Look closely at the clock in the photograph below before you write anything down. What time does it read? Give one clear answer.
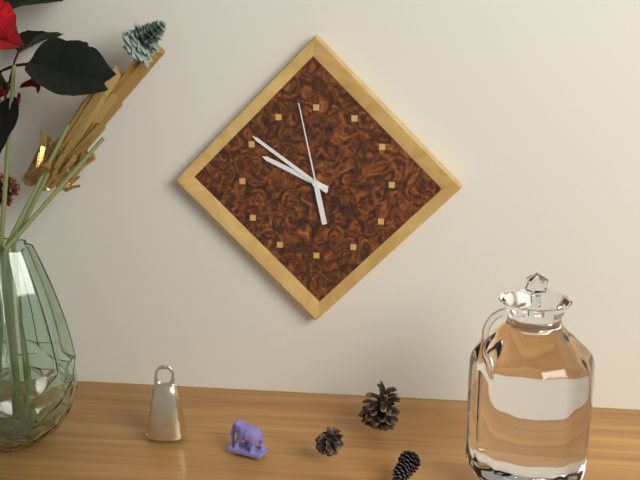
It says 9:51:58
